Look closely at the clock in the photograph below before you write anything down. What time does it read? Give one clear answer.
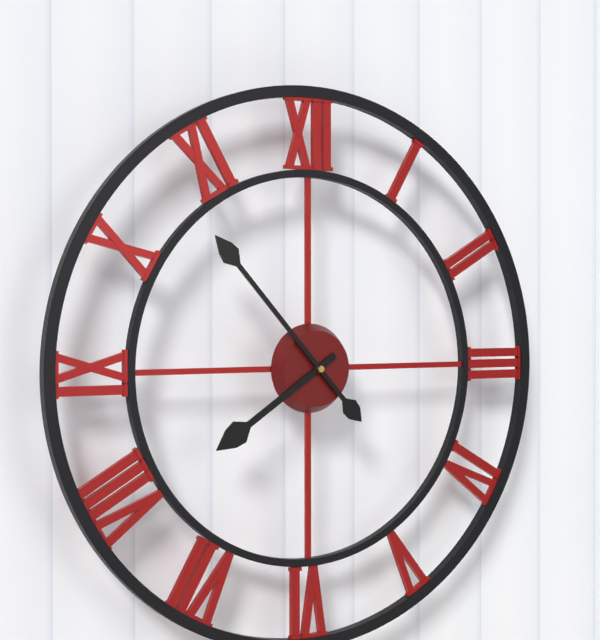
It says 7:53
